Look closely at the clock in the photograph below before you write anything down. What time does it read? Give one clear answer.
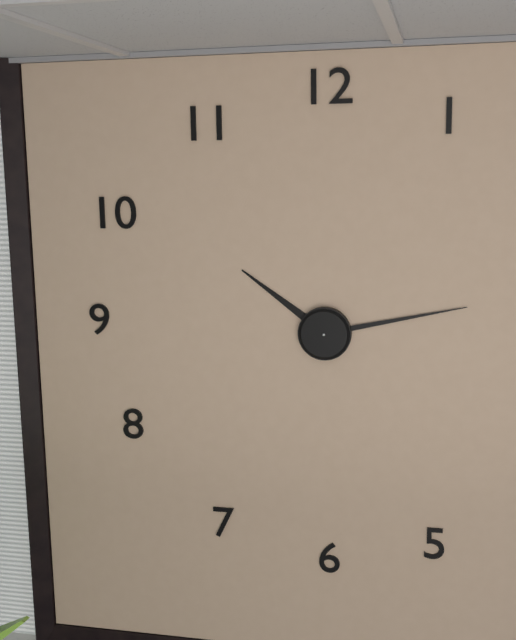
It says 10:13
